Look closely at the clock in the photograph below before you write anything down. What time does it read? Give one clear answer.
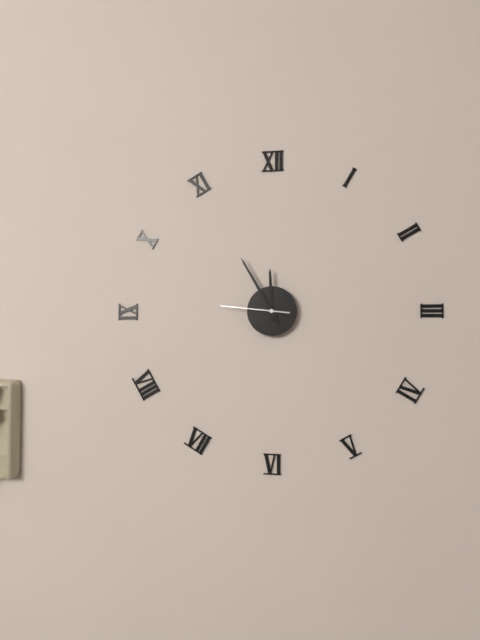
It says 11:55:46
